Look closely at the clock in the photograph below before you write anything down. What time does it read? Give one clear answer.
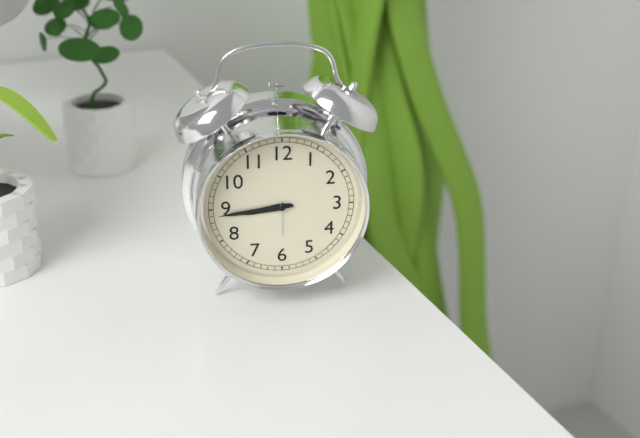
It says 8:44
